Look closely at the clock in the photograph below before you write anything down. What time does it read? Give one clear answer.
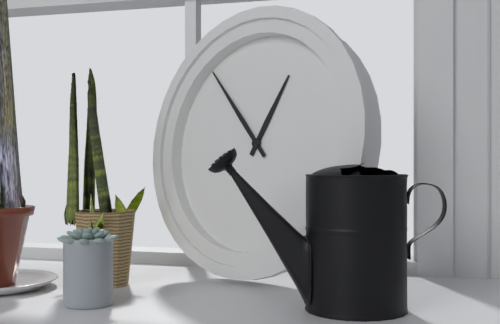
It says 12:53
